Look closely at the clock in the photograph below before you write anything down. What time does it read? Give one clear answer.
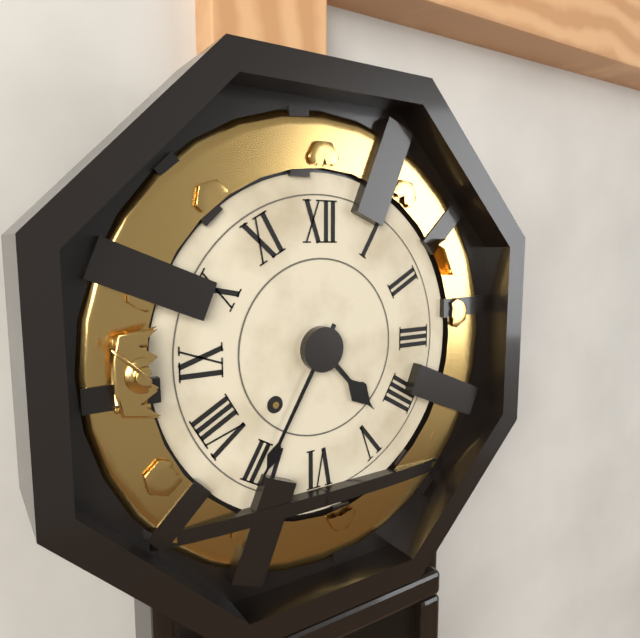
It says 4:35
